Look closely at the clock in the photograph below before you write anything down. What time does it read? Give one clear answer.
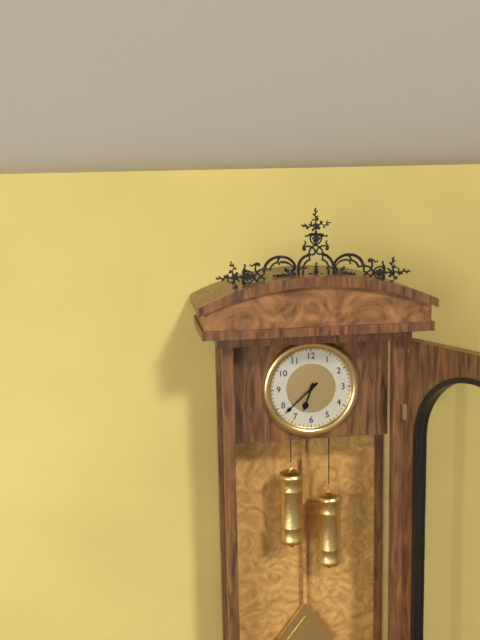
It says 6:38
